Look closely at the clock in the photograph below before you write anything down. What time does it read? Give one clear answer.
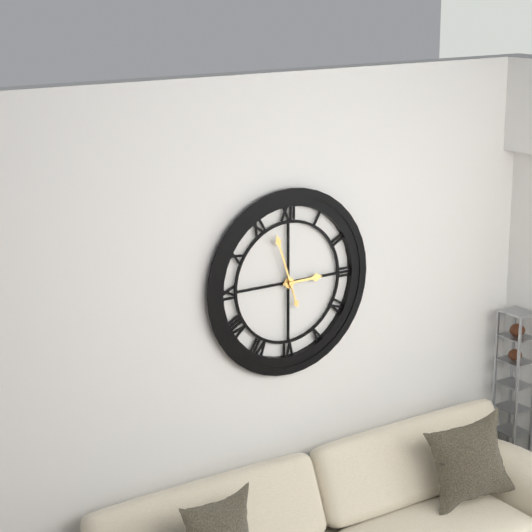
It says 2:57
